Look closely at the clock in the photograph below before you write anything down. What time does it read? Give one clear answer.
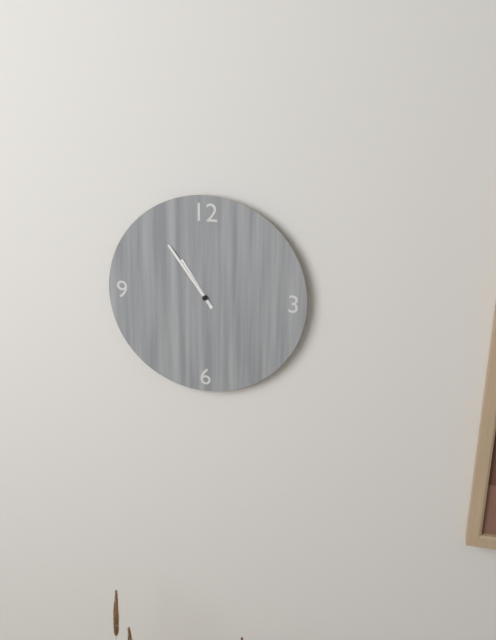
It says 10:54
